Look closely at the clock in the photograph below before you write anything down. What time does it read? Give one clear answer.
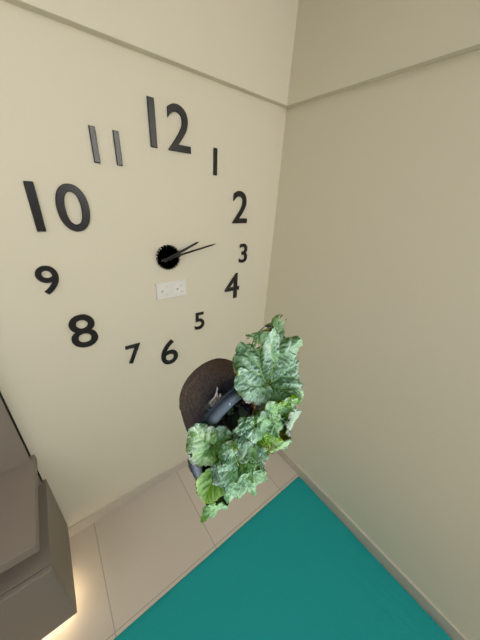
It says 2:13
